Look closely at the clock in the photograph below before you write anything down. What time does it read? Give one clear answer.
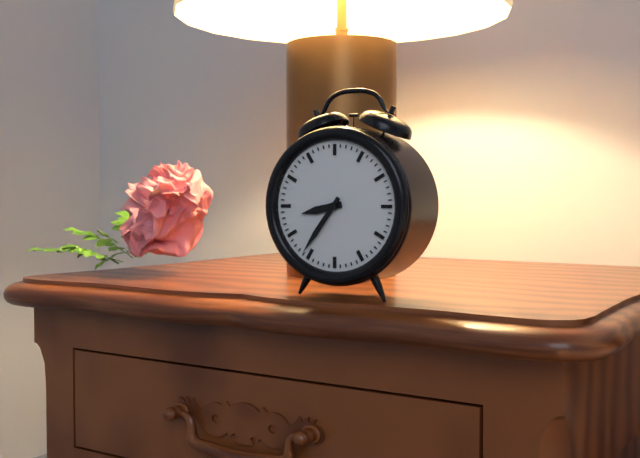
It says 8:36
